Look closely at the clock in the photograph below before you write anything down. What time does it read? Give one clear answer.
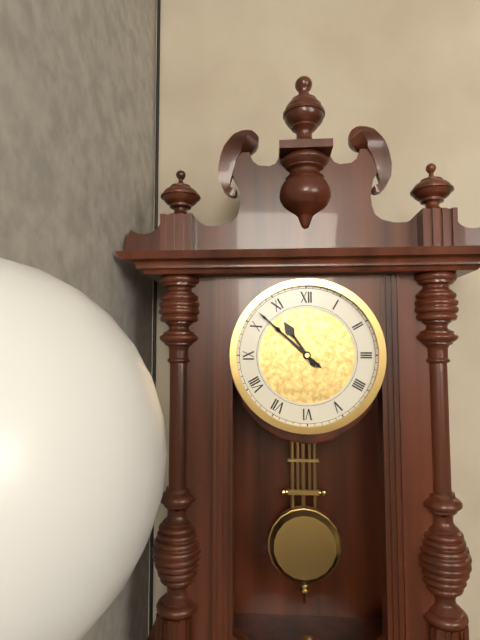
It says 10:52
